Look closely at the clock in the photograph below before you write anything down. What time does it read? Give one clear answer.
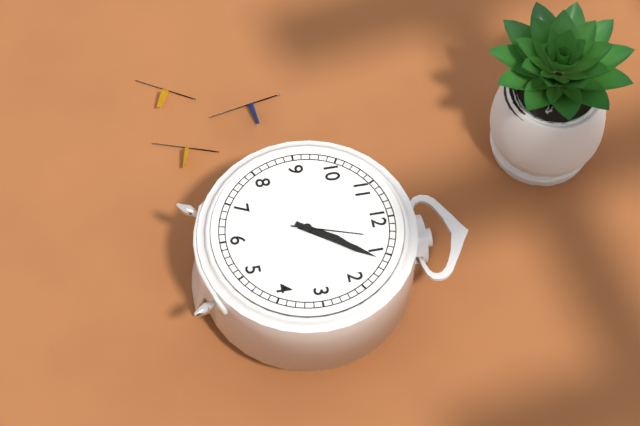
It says 1:06:03
